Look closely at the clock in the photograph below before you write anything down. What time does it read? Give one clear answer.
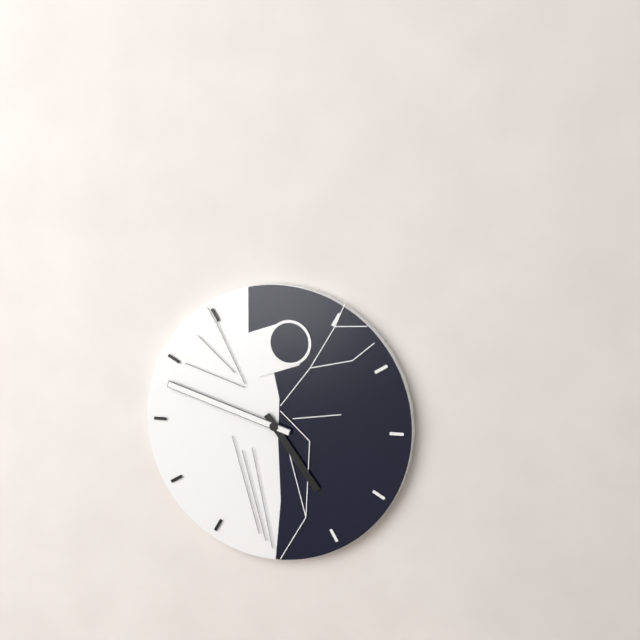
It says 4:48
